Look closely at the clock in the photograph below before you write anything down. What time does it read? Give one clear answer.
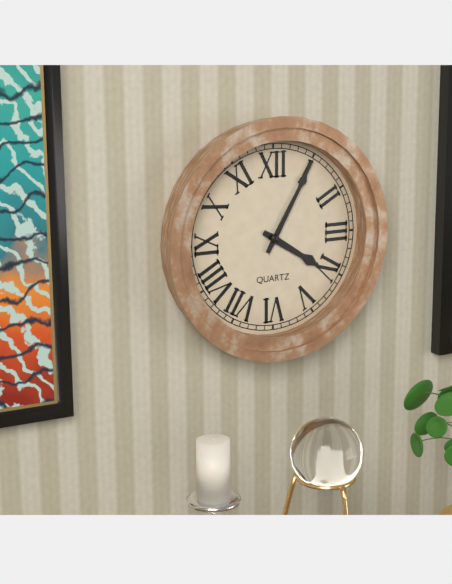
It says 4:05
